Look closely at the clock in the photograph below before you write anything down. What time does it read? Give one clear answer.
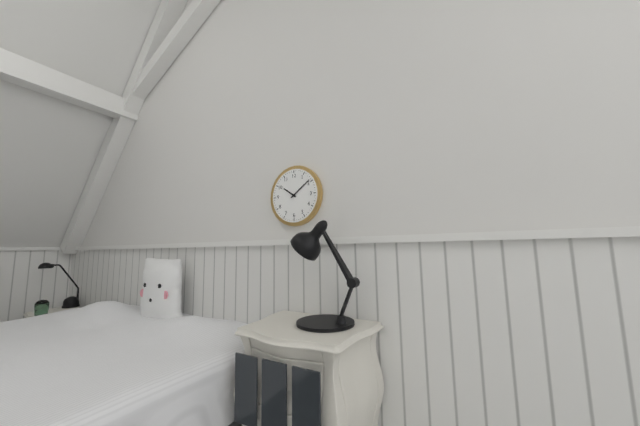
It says 10:09
